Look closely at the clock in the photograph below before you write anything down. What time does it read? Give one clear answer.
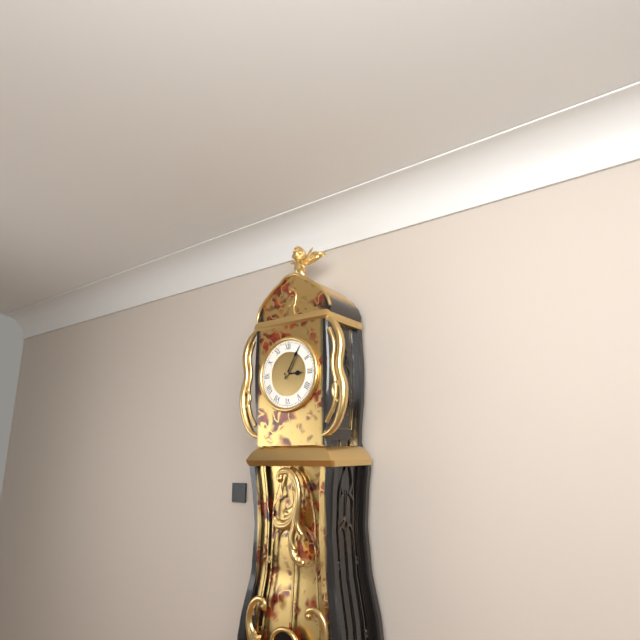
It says 3:05
